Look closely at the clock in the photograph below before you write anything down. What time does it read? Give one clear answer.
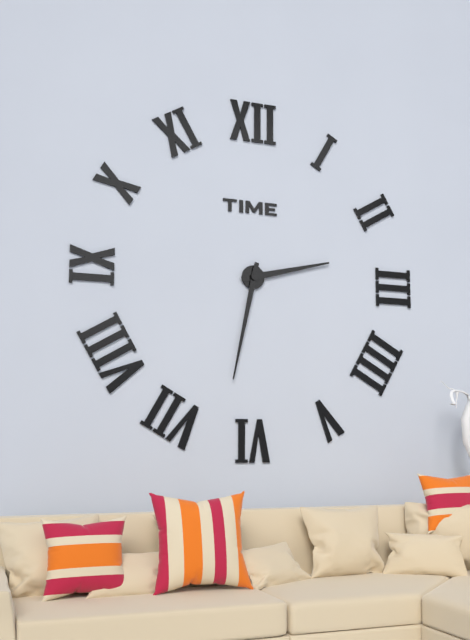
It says 2:32
